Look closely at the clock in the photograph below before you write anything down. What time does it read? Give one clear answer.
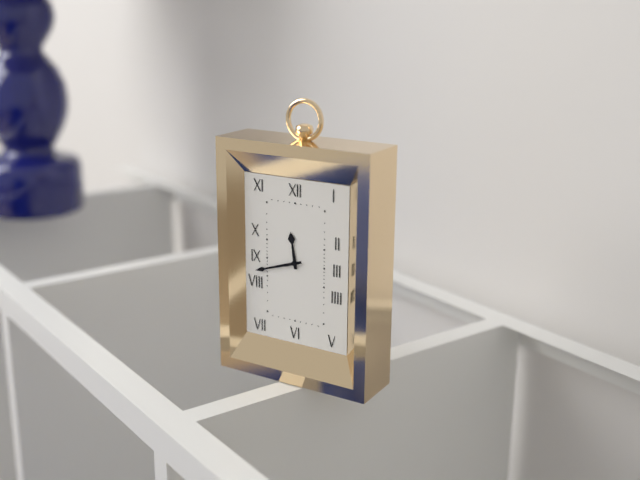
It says 11:42
